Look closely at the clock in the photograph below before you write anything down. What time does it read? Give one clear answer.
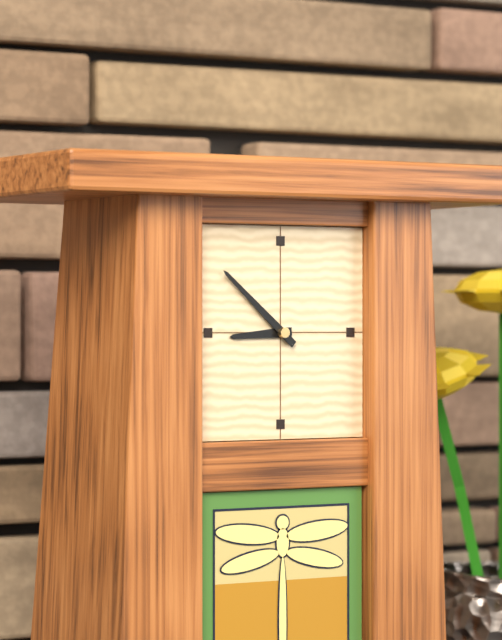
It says 8:52
